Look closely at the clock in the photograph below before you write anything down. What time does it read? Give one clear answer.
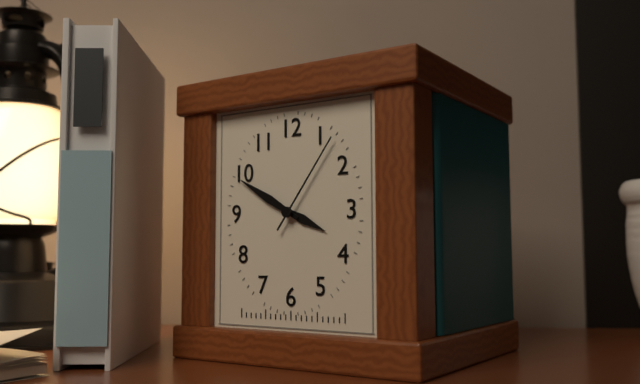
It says 3:50:06
